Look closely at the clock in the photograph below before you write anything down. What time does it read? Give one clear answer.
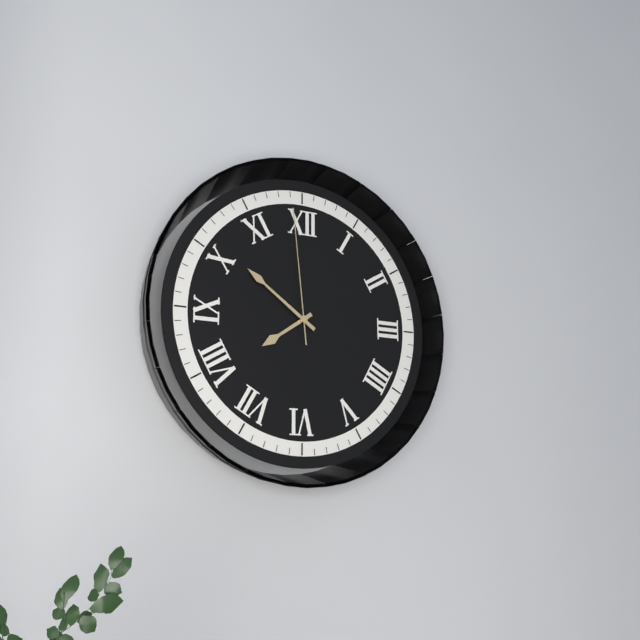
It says 7:51:59
